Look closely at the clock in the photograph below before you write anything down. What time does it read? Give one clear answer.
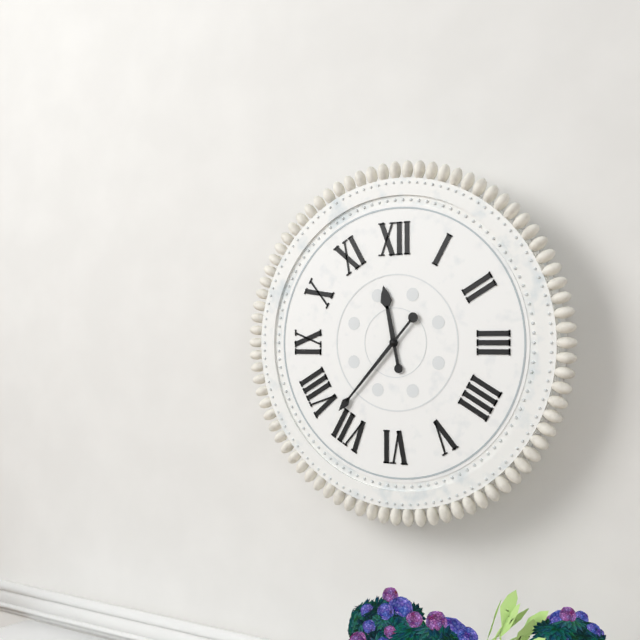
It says 11:37
